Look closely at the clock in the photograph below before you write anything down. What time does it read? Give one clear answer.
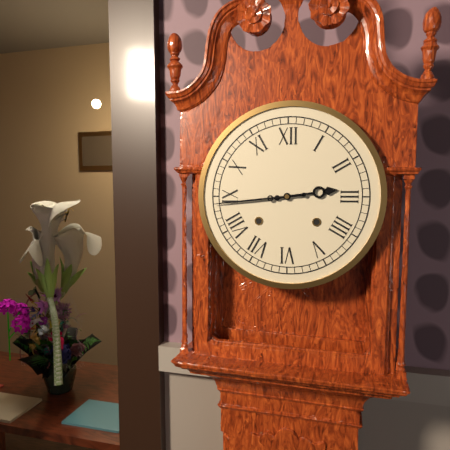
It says 2:44
